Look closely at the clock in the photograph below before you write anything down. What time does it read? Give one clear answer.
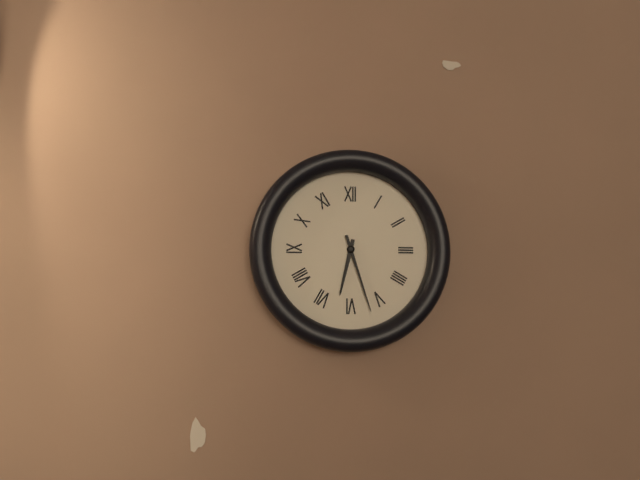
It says 6:27
